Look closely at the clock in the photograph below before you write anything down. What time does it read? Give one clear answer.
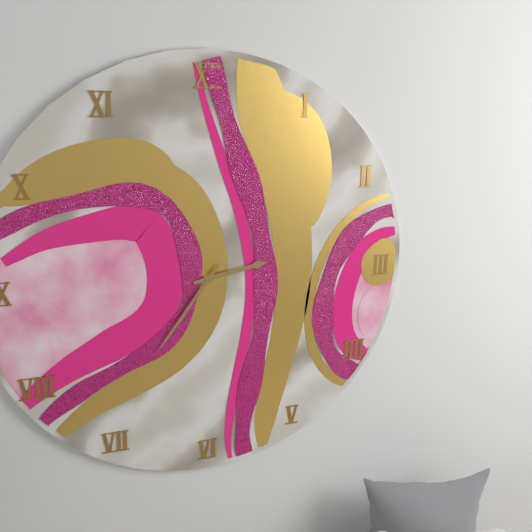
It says 2:36
